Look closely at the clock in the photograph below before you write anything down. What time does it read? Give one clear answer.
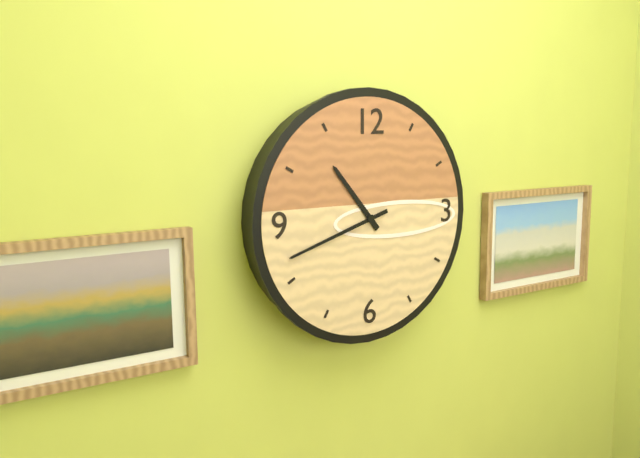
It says 10:42
